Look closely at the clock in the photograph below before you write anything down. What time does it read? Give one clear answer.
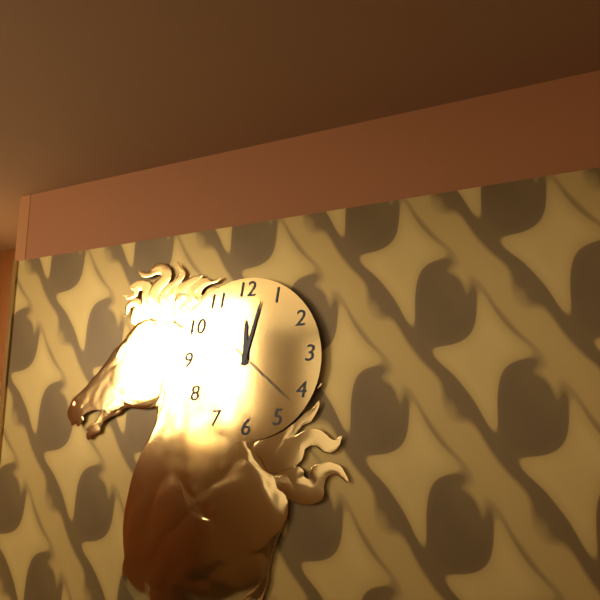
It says 12:03:22
